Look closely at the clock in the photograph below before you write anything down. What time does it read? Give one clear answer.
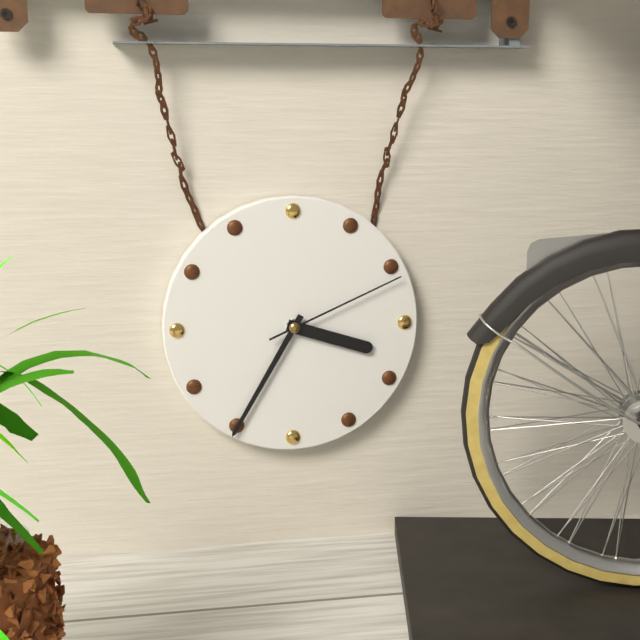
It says 3:35:11
